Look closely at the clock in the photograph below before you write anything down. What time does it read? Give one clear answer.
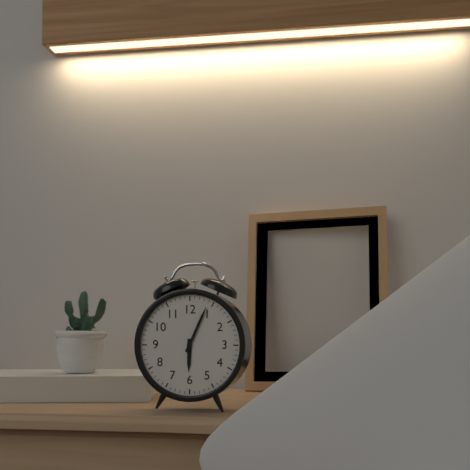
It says 6:04
